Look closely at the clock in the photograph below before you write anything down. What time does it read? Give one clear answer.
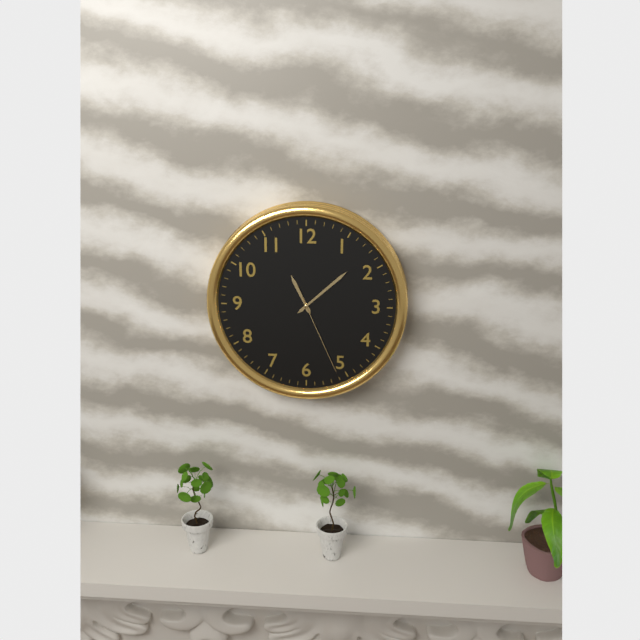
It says 11:08:26
